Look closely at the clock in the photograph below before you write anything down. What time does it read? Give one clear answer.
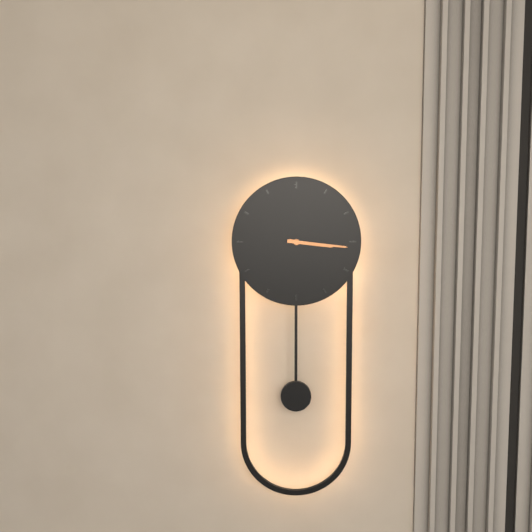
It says 3:16
